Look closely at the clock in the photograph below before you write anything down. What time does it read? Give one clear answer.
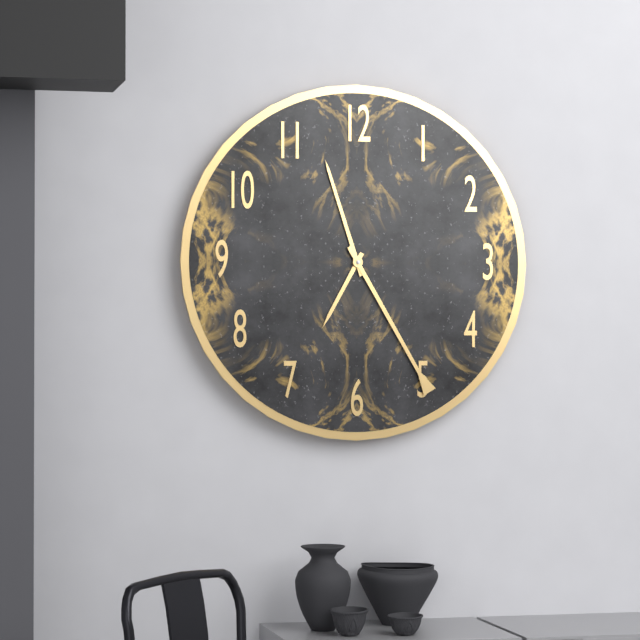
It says 6:57:25
